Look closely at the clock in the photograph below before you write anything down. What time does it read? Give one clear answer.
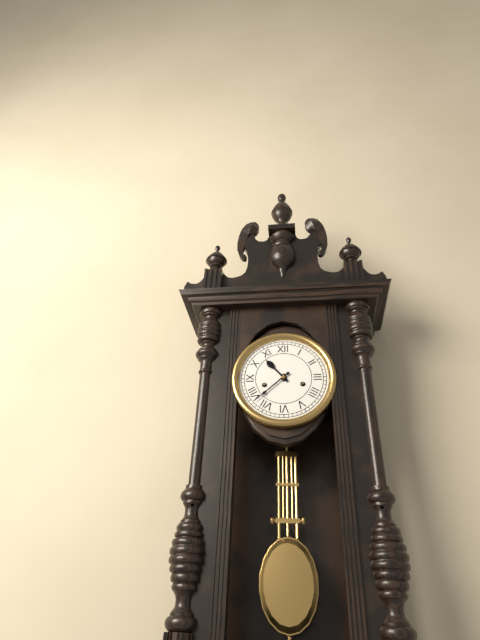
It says 10:38
